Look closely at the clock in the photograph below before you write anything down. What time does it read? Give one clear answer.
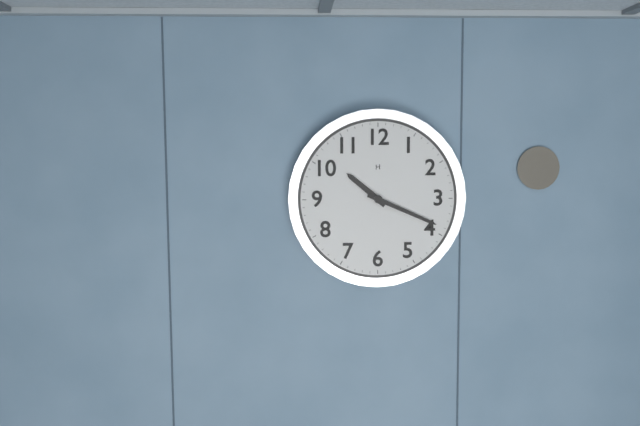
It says 10:19
